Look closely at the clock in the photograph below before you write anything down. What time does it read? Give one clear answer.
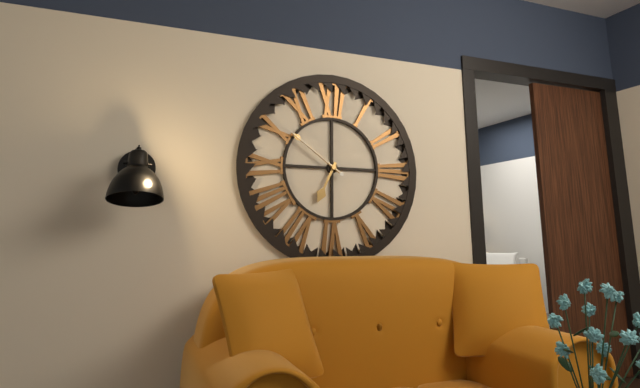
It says 6:51:51
